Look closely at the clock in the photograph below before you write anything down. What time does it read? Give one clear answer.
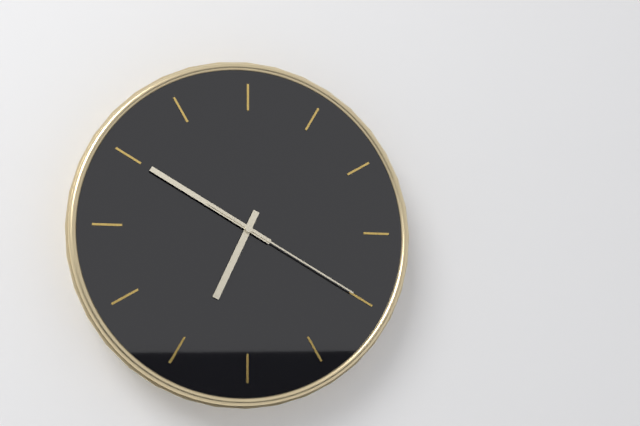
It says 6:50:20
